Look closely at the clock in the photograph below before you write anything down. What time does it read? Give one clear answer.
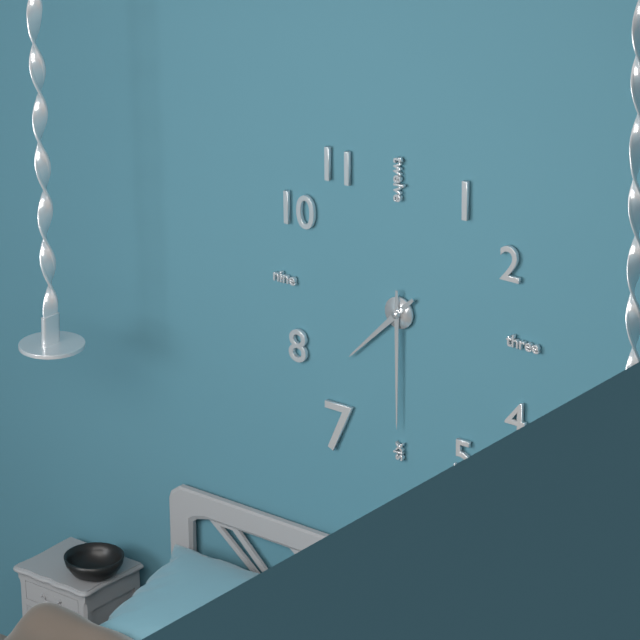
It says 7:30
